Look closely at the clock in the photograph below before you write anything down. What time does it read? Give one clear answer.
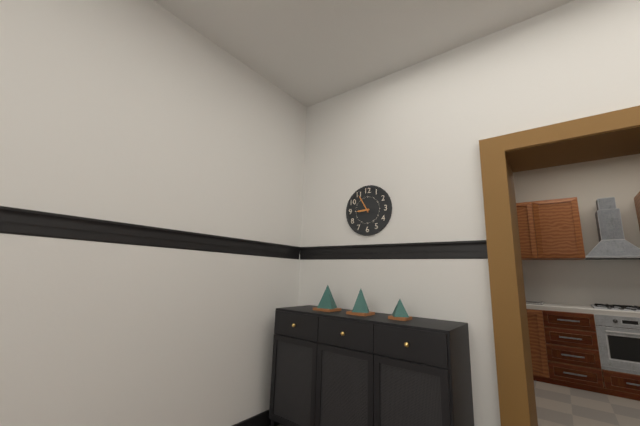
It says 8:55
